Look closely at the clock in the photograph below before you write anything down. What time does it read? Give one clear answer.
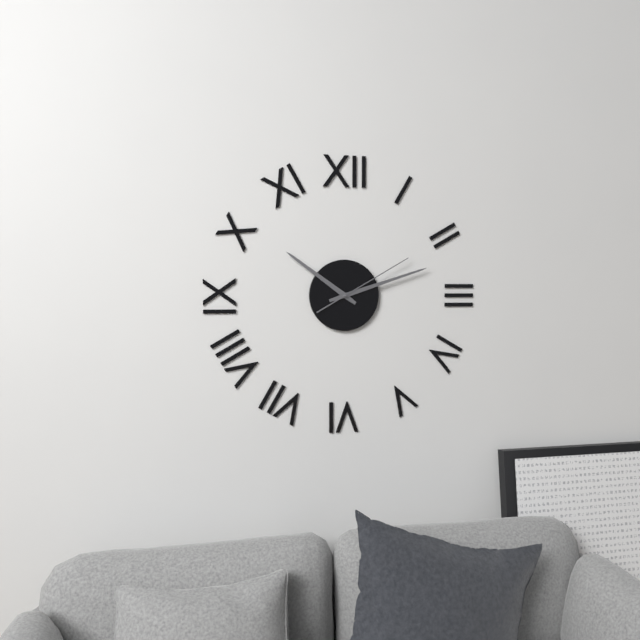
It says 10:12:10
